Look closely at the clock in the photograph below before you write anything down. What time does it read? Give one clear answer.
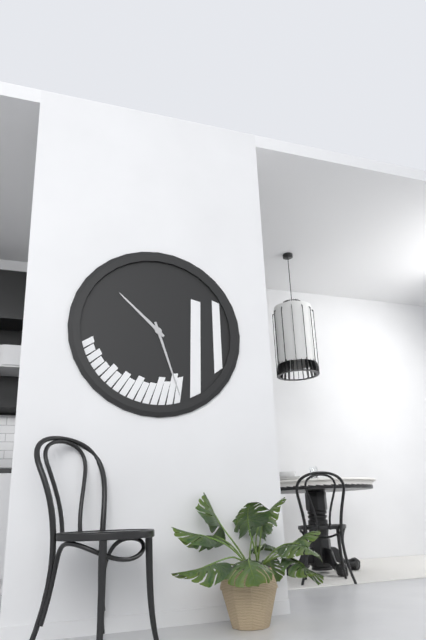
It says 10:27
